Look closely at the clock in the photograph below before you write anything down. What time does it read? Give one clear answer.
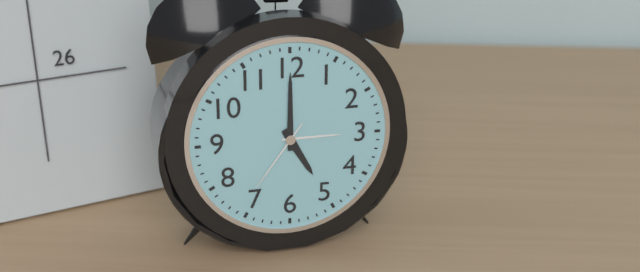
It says 5:00:36
